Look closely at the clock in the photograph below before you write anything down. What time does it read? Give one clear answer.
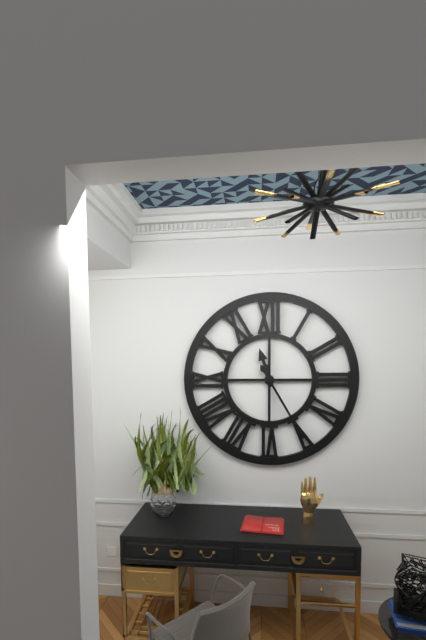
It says 11:25
